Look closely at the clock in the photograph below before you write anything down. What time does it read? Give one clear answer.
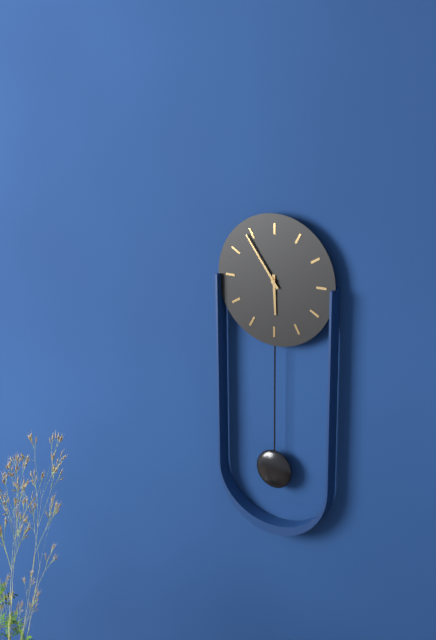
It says 5:54
